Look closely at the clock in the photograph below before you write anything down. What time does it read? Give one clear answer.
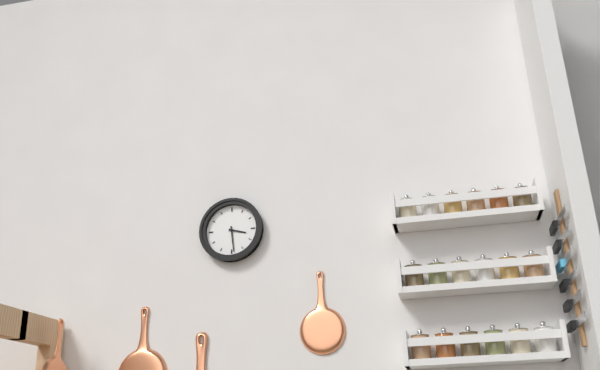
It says 3:29
